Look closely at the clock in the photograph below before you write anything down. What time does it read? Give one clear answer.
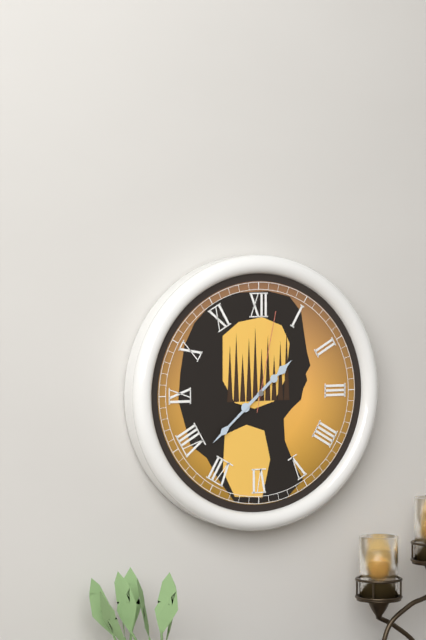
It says 1:38:02
